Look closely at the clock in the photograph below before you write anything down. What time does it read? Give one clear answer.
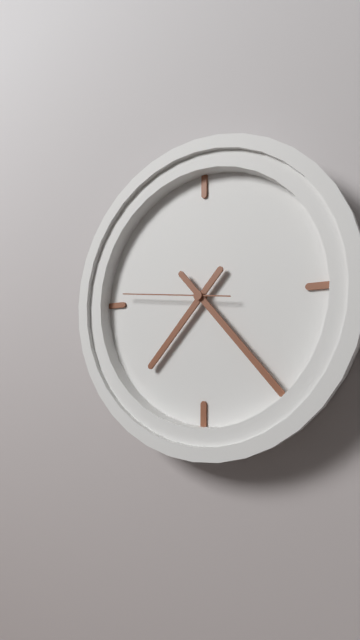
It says 7:23:46
